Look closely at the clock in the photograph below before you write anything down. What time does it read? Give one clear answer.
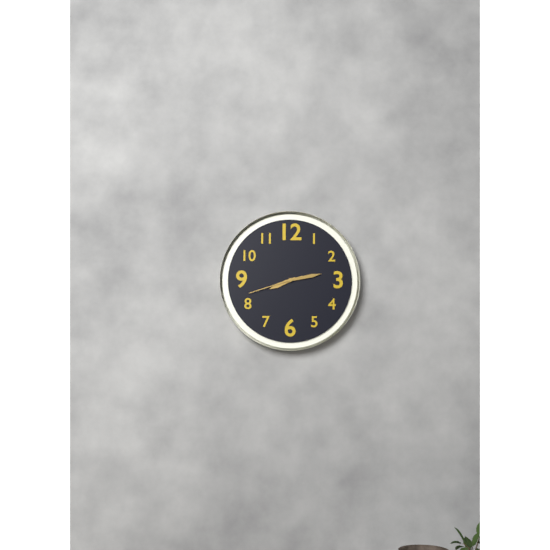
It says 8:13:42
